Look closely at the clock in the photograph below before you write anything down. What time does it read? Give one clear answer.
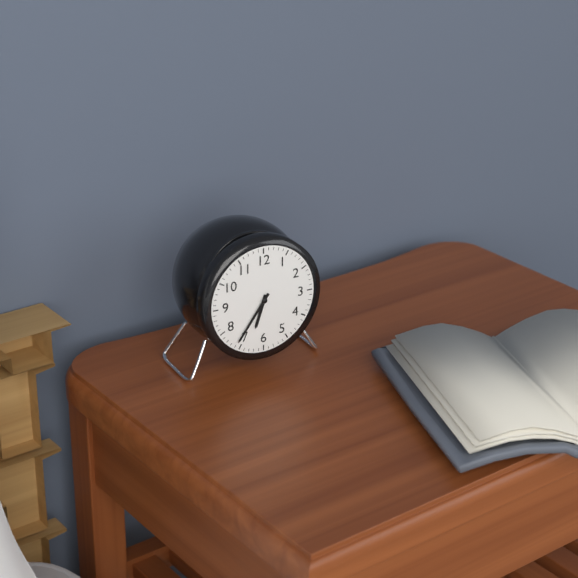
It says 6:36
